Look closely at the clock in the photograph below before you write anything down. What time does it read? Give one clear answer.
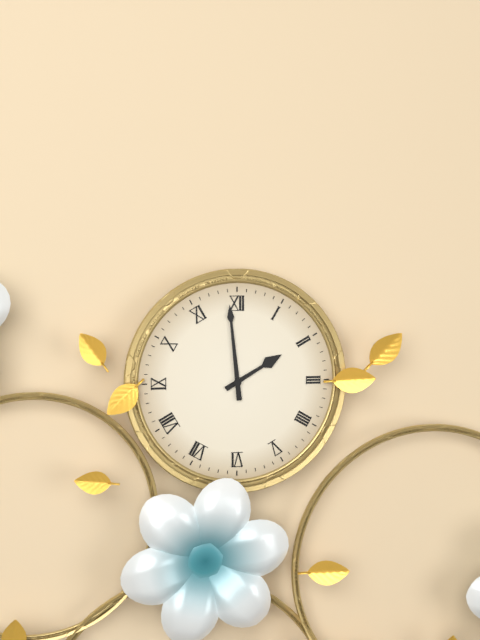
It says 1:59
